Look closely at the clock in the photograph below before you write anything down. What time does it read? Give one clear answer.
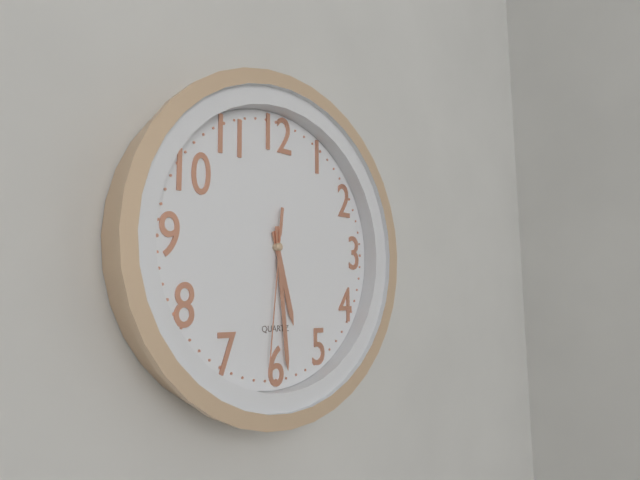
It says 5:29:31
